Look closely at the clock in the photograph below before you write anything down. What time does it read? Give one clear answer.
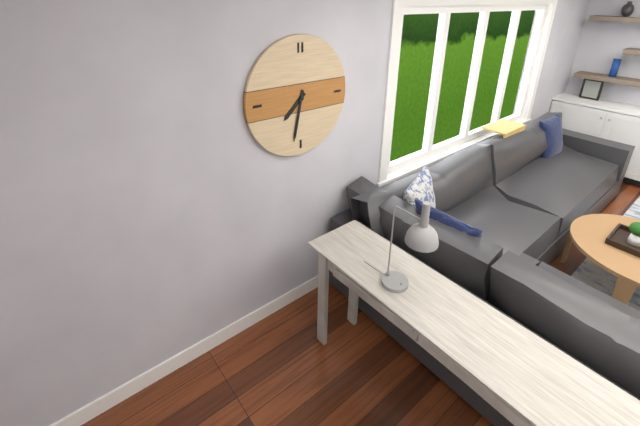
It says 7:32
